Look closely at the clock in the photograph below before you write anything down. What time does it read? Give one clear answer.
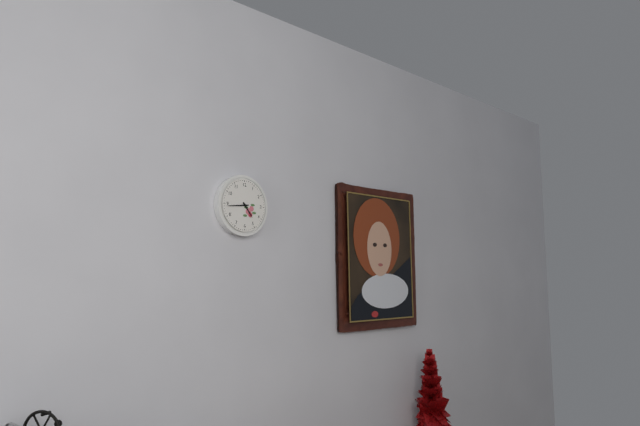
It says 4:44
